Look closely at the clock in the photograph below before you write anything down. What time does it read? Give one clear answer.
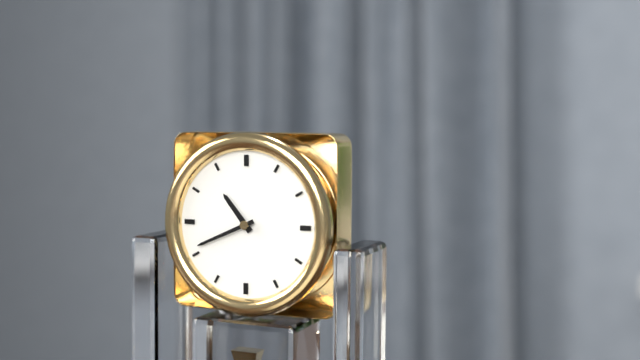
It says 10:41
